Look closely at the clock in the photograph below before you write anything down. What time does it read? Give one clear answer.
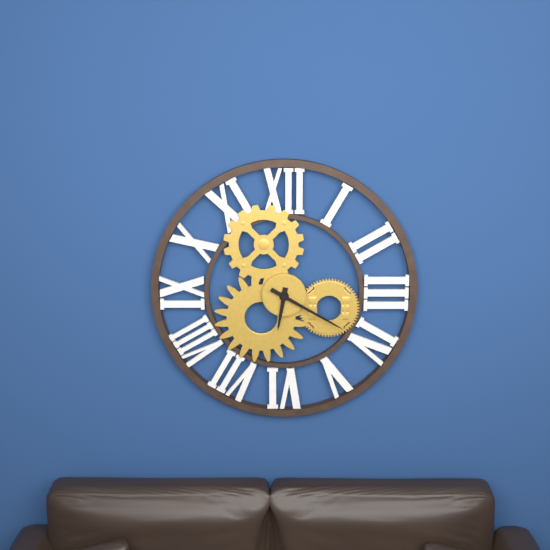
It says 6:20
